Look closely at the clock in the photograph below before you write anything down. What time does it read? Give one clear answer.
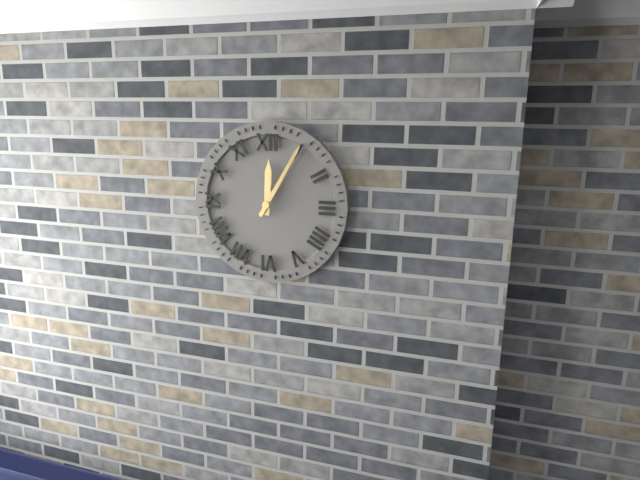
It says 12:05
